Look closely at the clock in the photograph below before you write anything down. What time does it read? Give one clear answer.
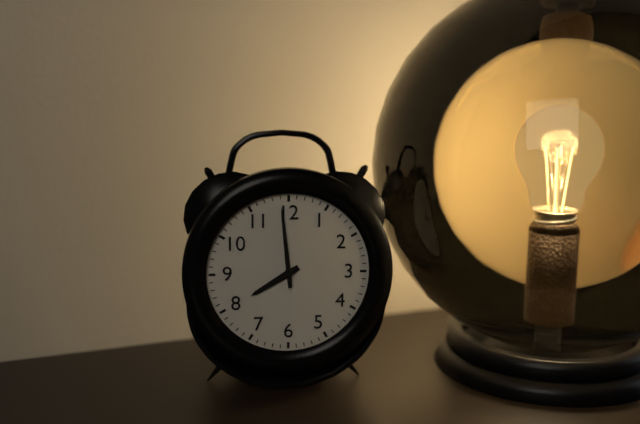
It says 7:59
